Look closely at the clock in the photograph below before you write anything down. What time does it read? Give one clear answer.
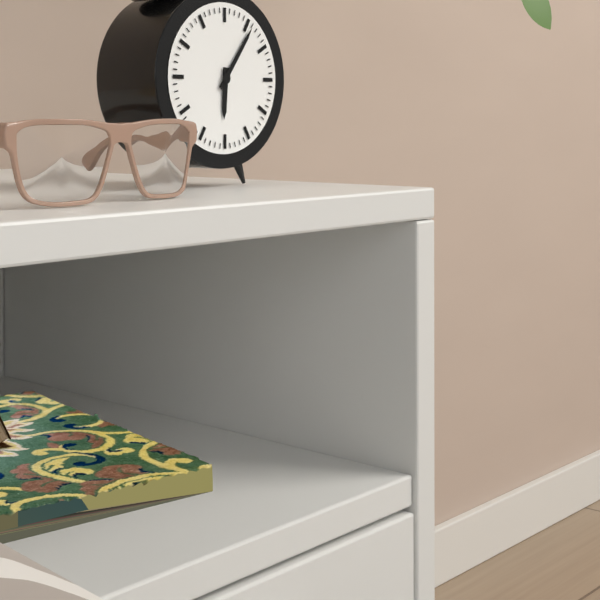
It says 6:06
